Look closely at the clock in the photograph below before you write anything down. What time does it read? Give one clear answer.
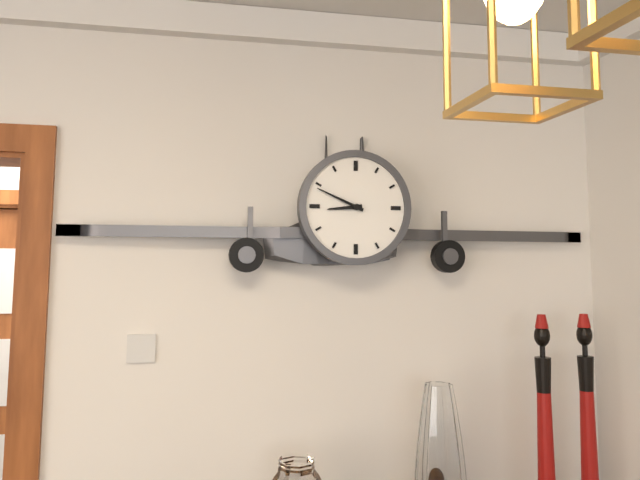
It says 8:49
